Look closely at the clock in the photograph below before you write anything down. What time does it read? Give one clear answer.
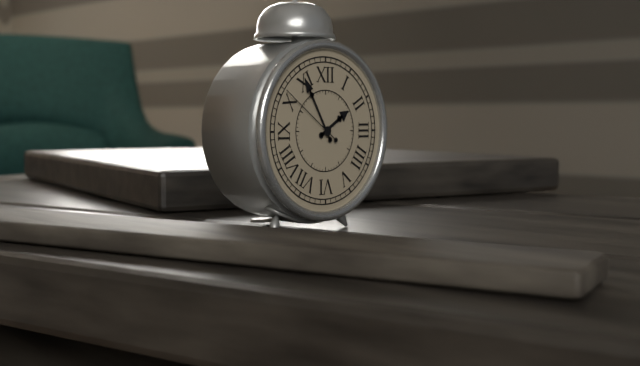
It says 1:55:51
